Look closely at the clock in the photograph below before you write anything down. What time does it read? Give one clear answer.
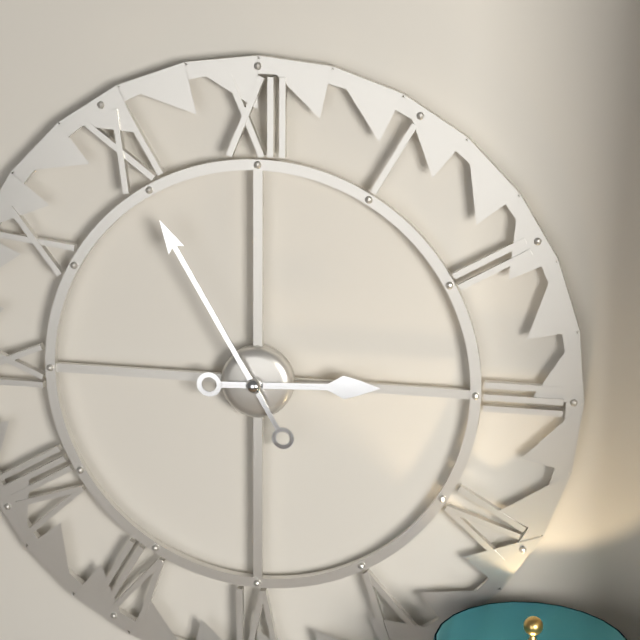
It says 2:55
